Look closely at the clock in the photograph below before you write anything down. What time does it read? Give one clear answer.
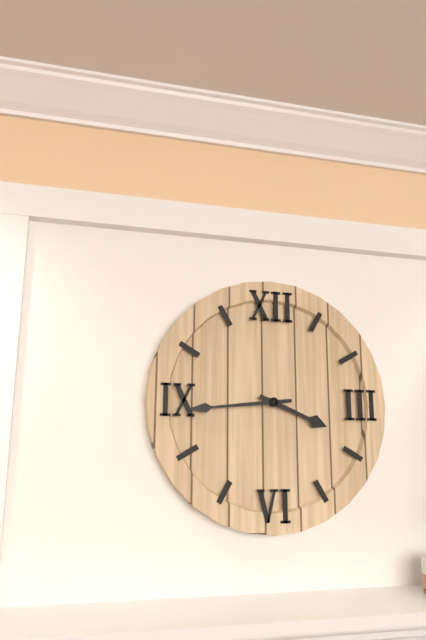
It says 3:44
